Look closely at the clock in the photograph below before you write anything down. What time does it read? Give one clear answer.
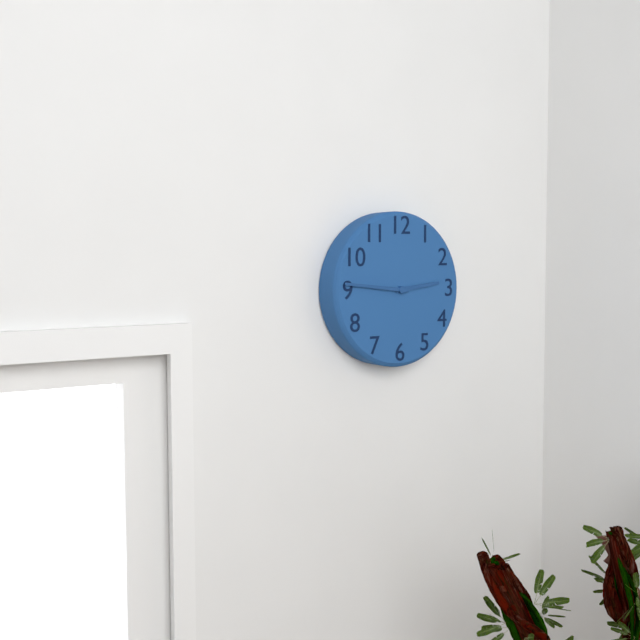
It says 2:46
